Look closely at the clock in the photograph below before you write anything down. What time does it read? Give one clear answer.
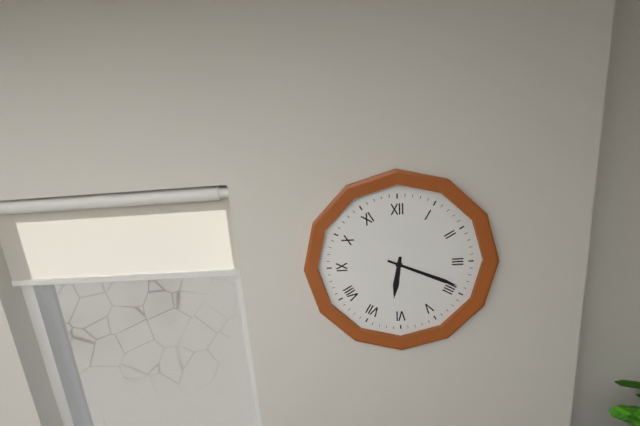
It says 6:19
